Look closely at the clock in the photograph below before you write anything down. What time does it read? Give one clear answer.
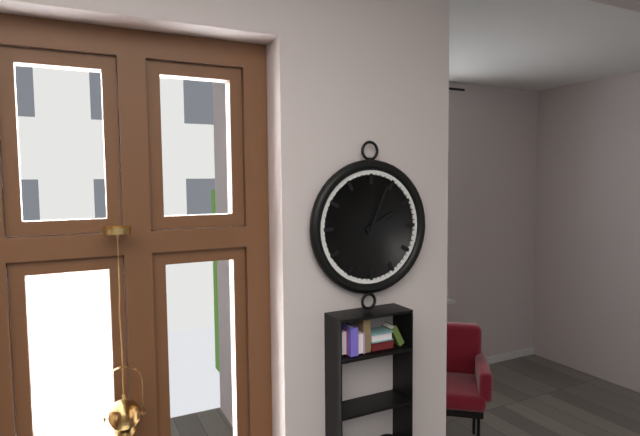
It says 2:04
